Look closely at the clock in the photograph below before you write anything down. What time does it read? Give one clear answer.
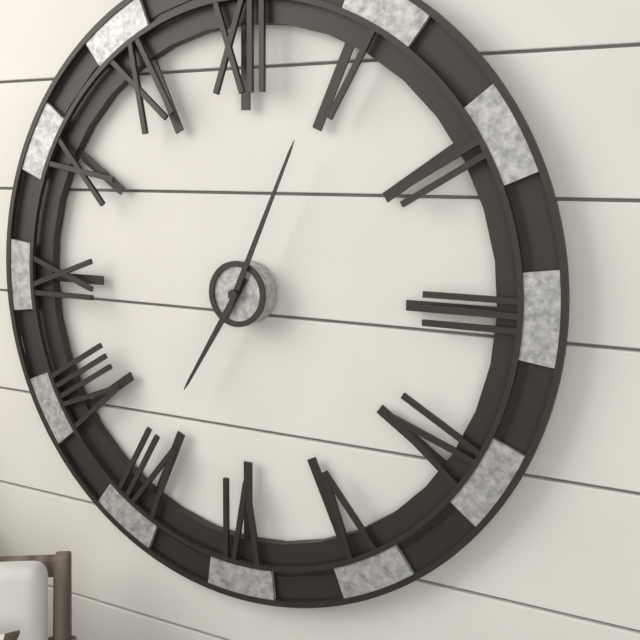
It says 7:04
